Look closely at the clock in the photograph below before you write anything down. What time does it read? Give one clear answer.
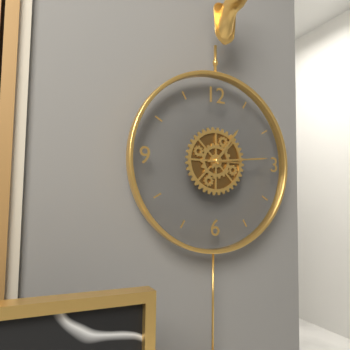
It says 1:14
